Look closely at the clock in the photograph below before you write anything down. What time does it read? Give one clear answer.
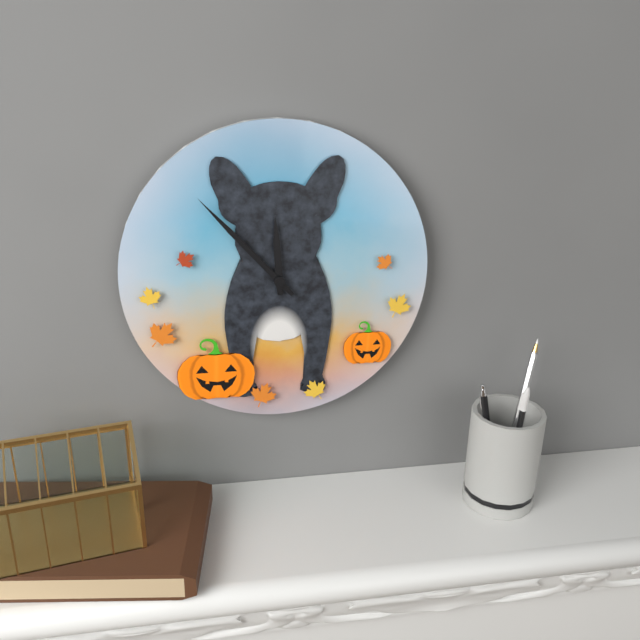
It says 11:53
